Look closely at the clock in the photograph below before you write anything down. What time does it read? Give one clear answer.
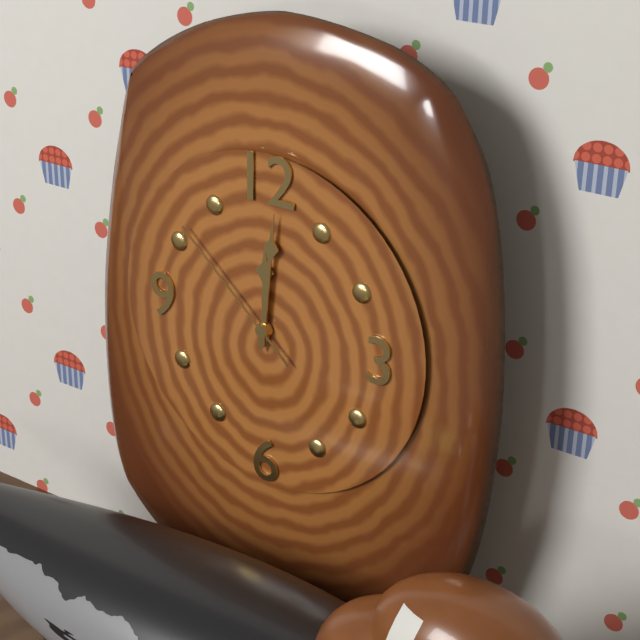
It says 12:01:52
